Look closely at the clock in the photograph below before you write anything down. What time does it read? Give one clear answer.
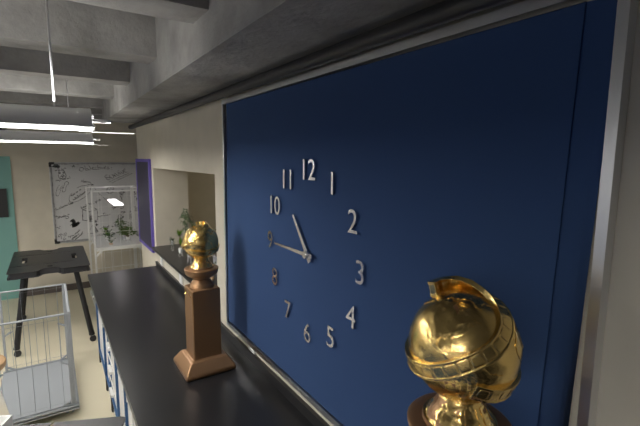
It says 10:45
